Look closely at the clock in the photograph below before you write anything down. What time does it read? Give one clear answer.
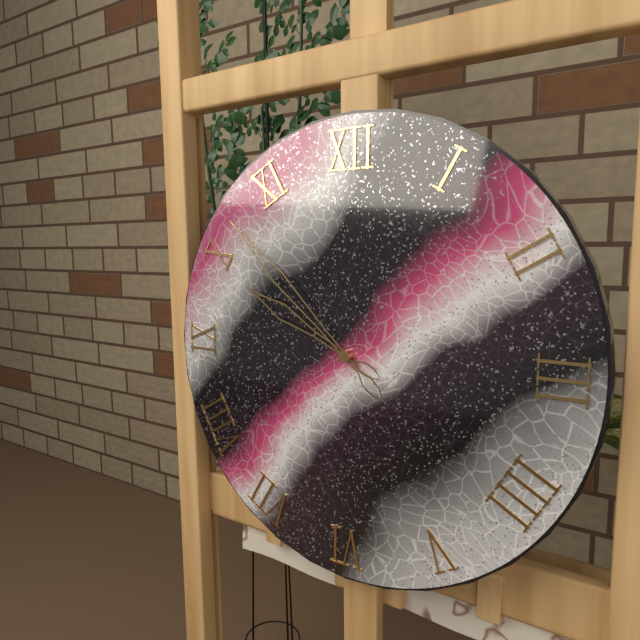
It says 9:52
